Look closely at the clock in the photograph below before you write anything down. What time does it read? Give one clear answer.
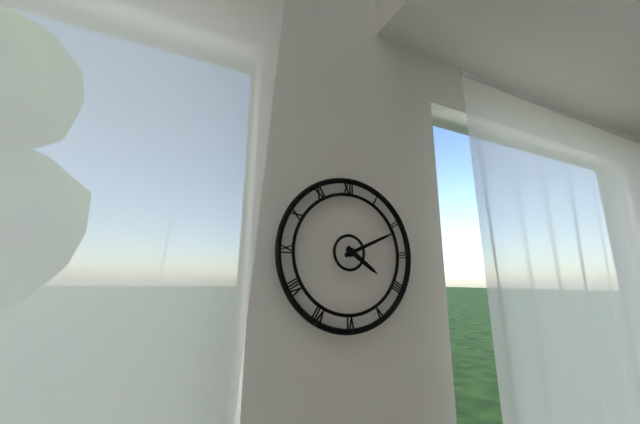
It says 4:11
